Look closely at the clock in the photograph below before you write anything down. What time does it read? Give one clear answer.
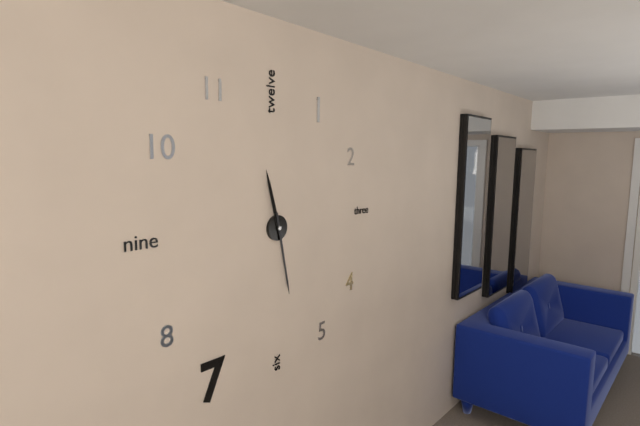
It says 11:28
